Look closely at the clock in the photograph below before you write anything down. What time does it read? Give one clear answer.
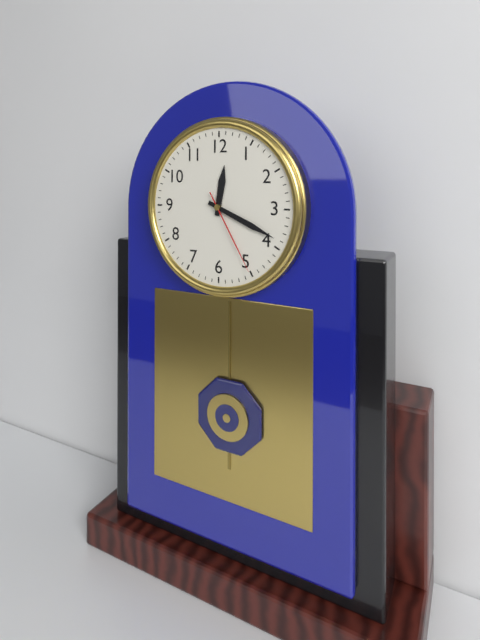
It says 12:19:25
